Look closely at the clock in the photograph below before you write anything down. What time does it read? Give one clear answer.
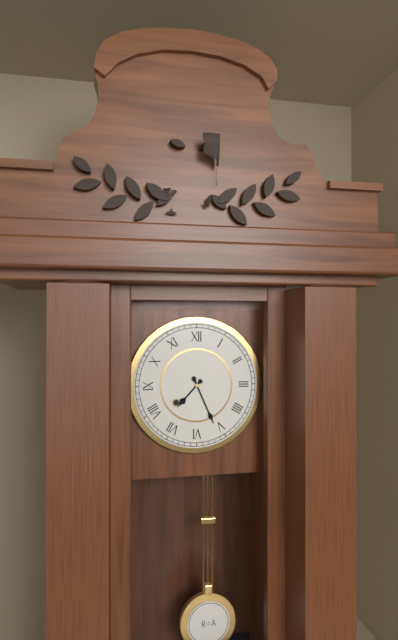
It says 7:26
